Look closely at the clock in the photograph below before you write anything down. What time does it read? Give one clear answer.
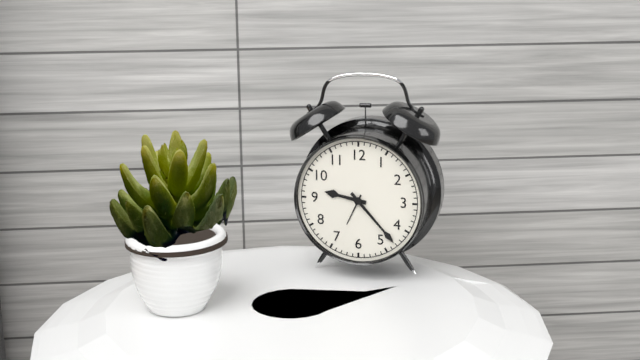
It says 9:23
